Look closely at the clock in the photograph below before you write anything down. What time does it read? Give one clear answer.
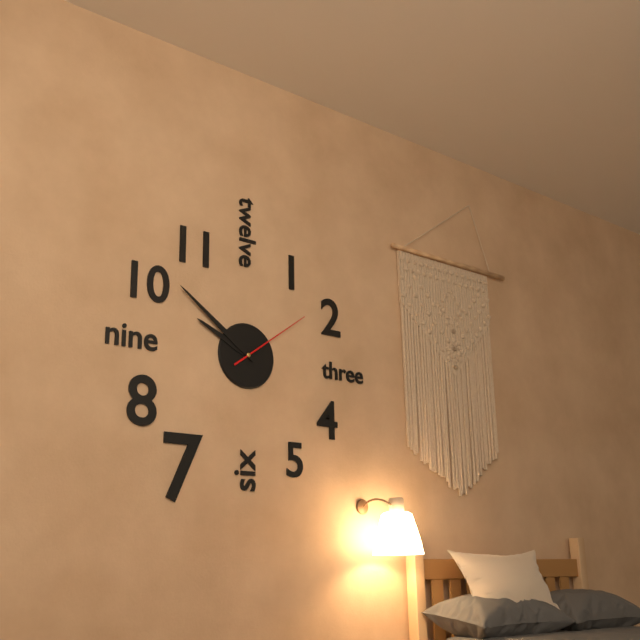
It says 9:51:09
